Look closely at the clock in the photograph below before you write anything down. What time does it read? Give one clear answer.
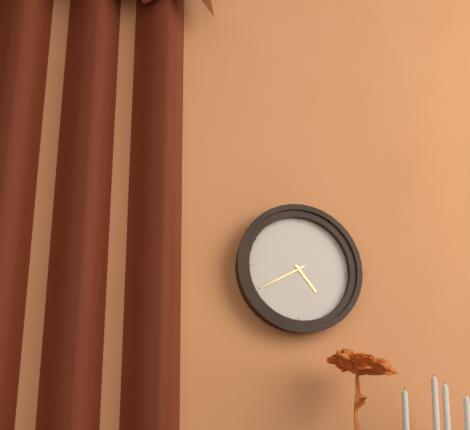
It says 4:40
